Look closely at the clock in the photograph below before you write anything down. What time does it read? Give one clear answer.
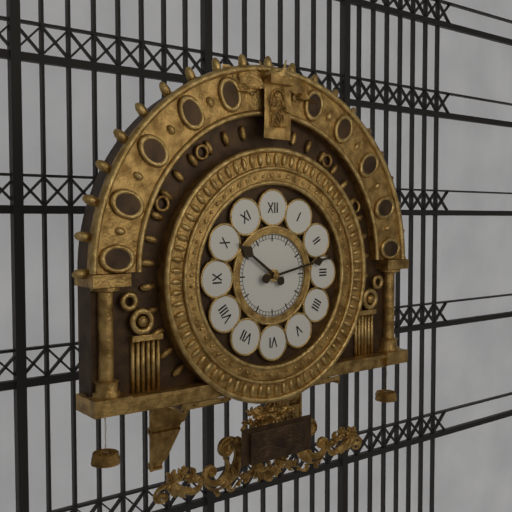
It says 10:13
